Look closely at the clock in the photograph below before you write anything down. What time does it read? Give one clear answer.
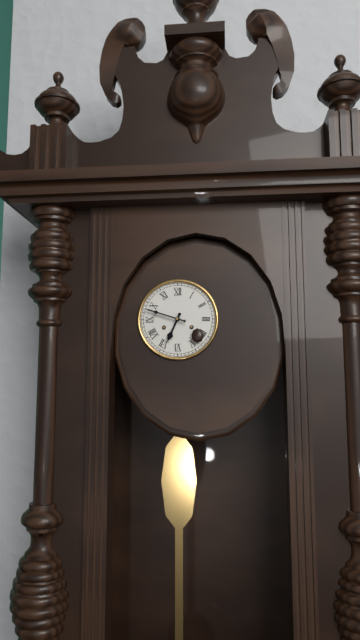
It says 6:48
